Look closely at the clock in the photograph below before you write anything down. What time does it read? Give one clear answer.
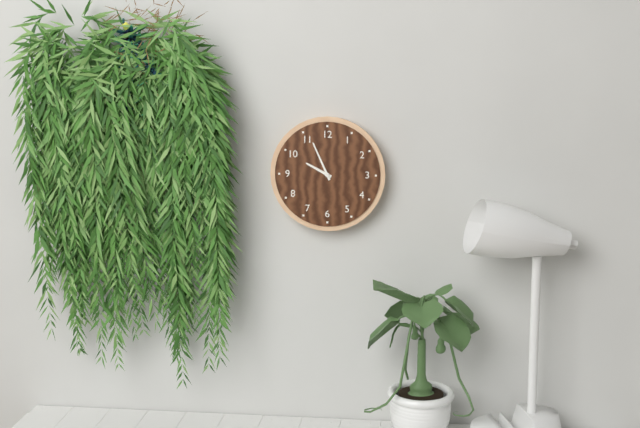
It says 9:56
